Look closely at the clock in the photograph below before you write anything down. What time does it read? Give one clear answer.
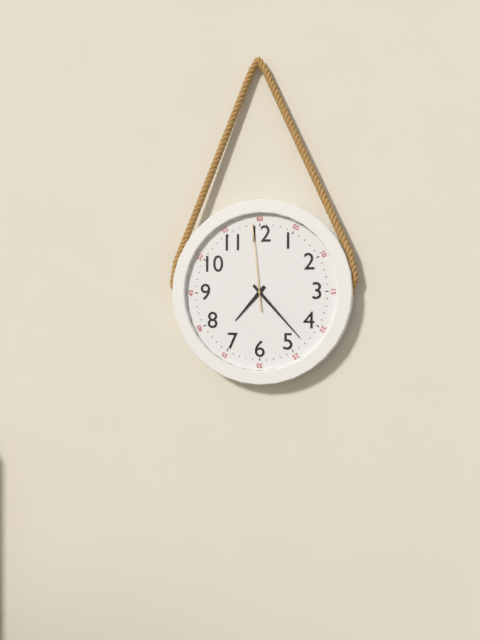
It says 7:23:59
